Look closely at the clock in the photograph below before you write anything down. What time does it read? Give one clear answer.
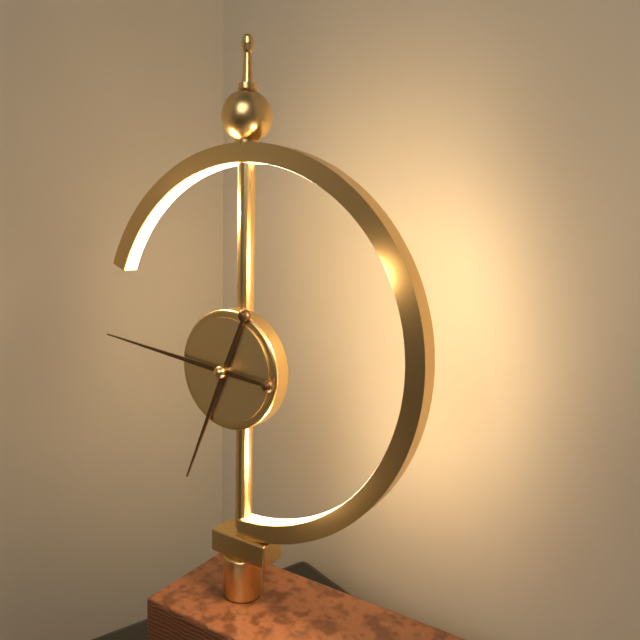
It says 6:46
